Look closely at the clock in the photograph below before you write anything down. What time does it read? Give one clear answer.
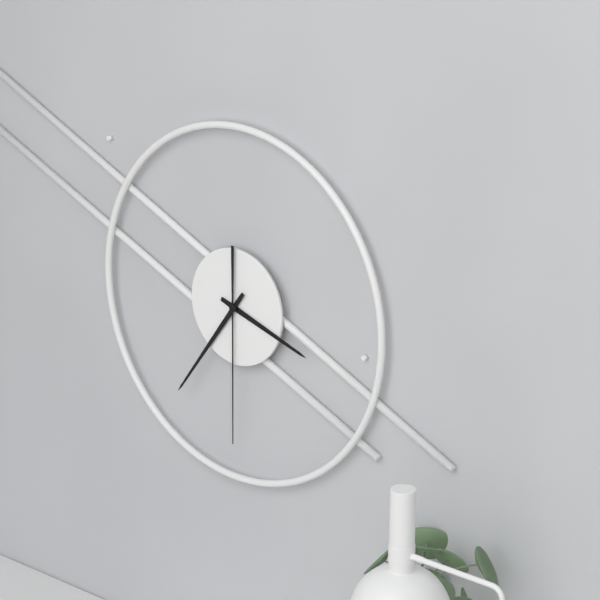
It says 3:36:30
